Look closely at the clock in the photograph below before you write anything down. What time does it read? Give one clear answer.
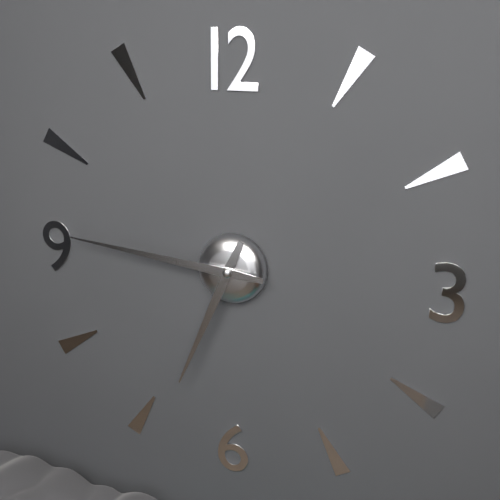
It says 6:46
